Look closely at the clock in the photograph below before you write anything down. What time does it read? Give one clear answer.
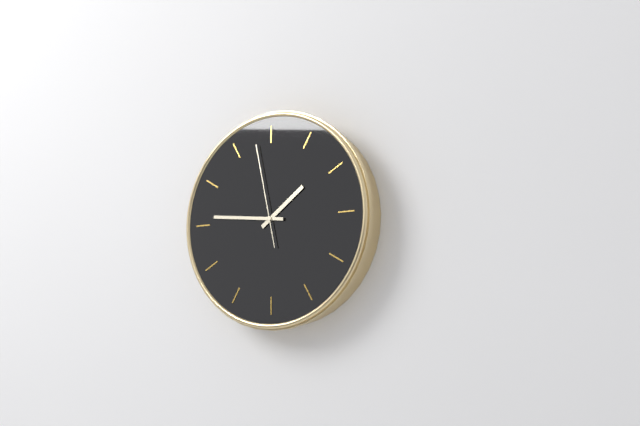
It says 1:46:58
